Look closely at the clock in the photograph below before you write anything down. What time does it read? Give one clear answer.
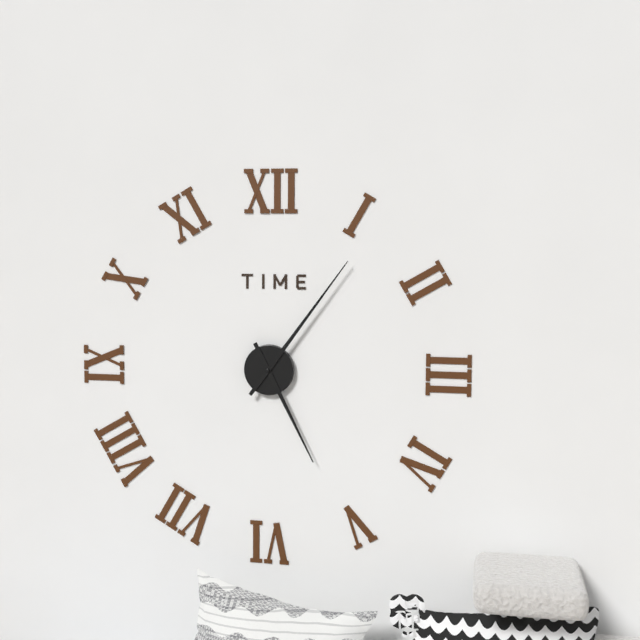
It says 5:06
